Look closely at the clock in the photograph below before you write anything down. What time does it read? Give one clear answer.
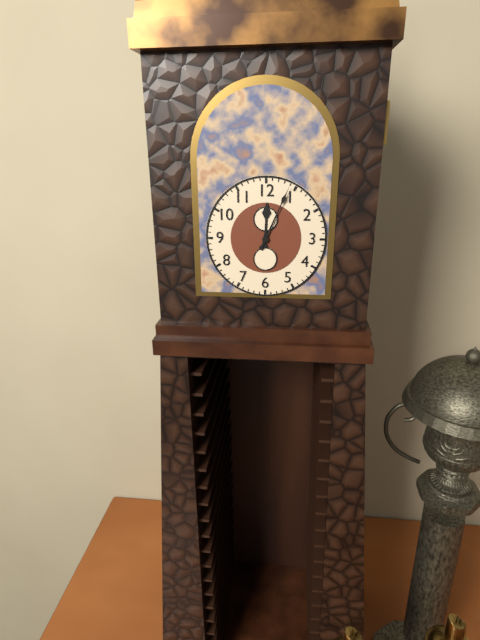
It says 12:04
